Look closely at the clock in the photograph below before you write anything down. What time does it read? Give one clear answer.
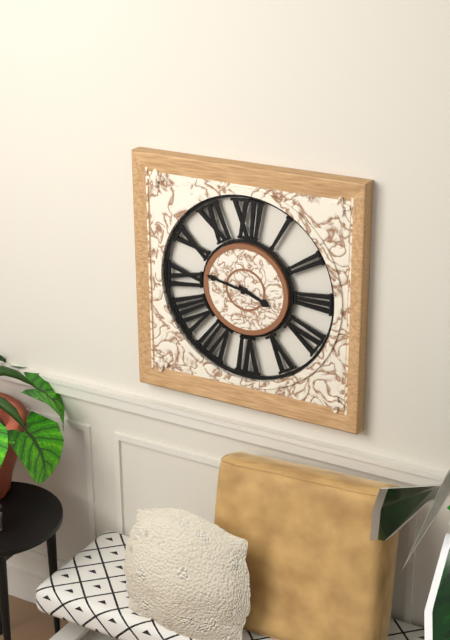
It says 3:47
